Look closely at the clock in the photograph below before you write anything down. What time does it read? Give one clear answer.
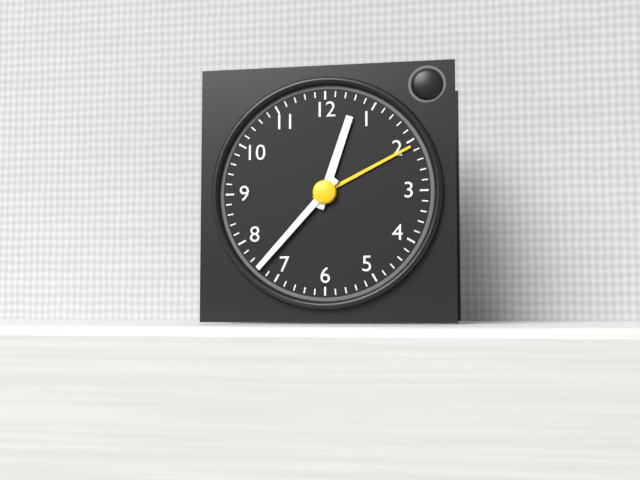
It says 12:37
